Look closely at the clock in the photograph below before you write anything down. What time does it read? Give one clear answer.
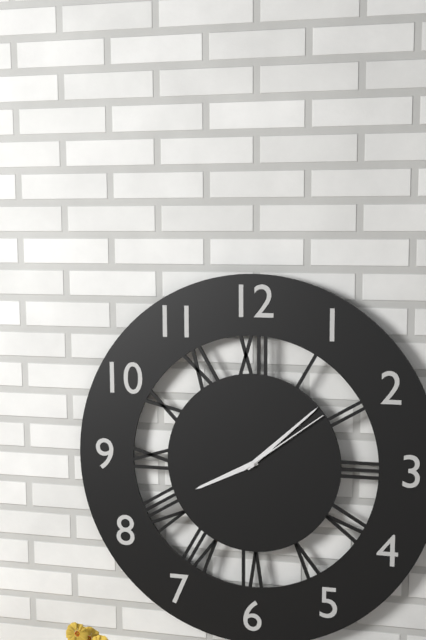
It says 8:08:09
